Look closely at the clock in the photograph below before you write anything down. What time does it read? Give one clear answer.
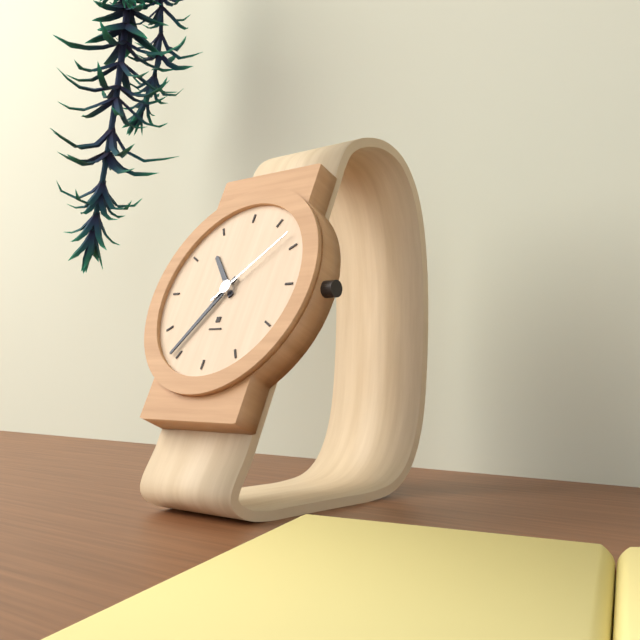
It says 10:36:08
